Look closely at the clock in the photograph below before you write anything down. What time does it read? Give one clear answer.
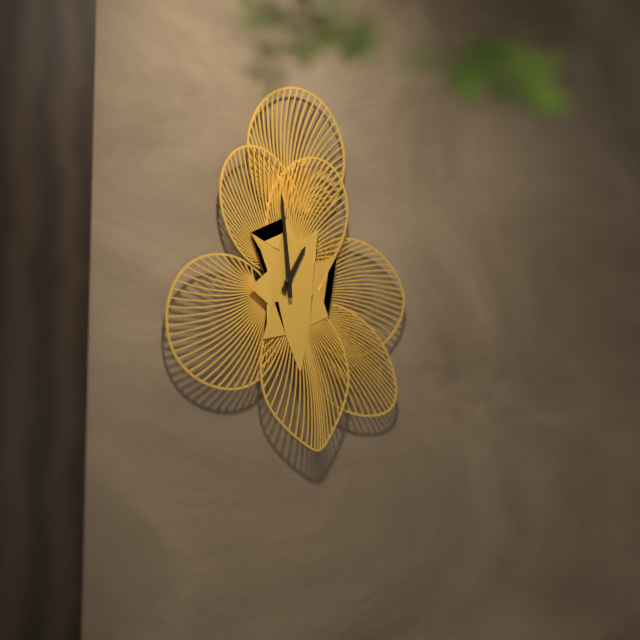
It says 12:59
